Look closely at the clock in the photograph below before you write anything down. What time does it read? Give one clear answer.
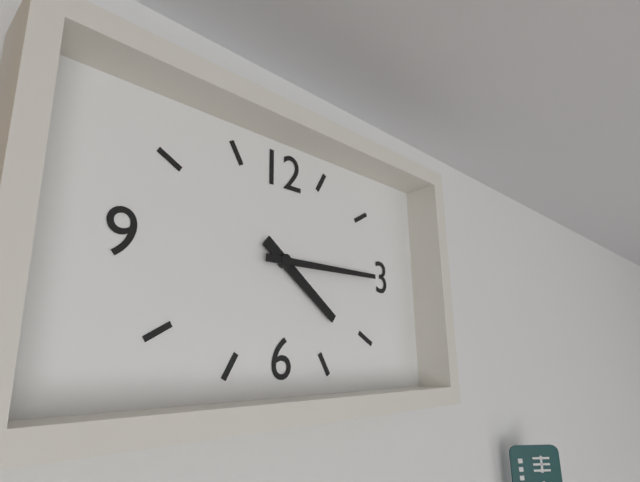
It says 4:15
